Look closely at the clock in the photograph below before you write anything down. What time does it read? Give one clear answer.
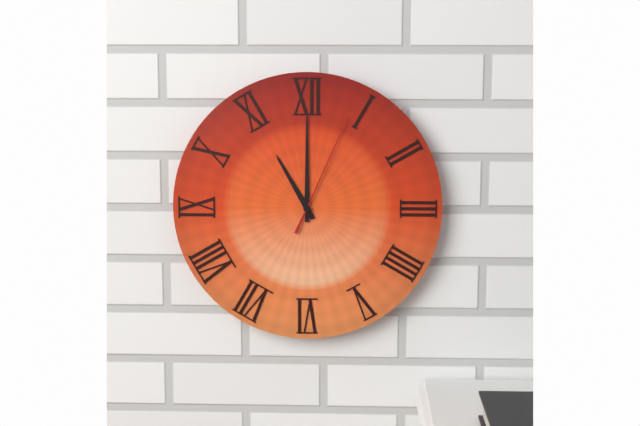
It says 11:00:04
